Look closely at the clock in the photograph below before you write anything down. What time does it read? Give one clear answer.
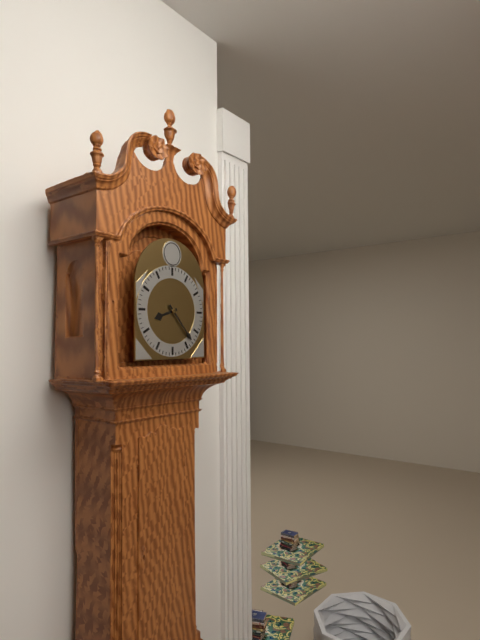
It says 8:23
